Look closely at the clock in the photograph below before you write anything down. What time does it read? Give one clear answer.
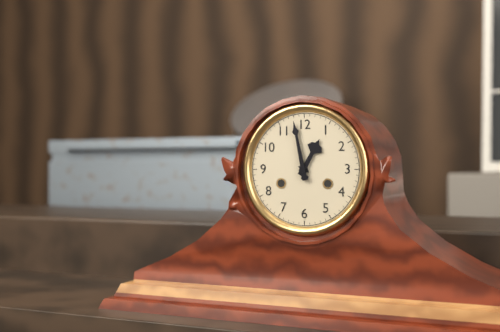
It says 12:58
